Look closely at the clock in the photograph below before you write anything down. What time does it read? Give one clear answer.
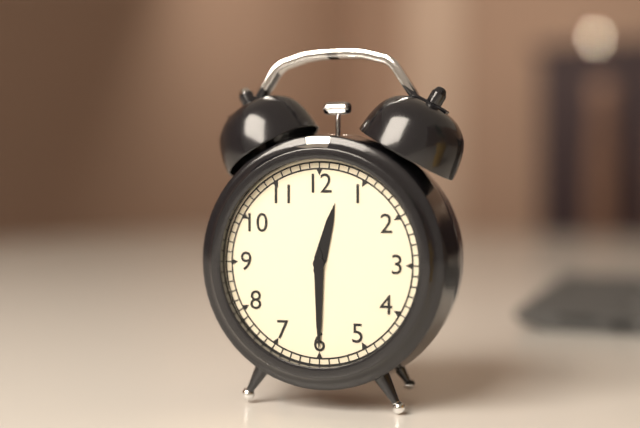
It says 12:30
